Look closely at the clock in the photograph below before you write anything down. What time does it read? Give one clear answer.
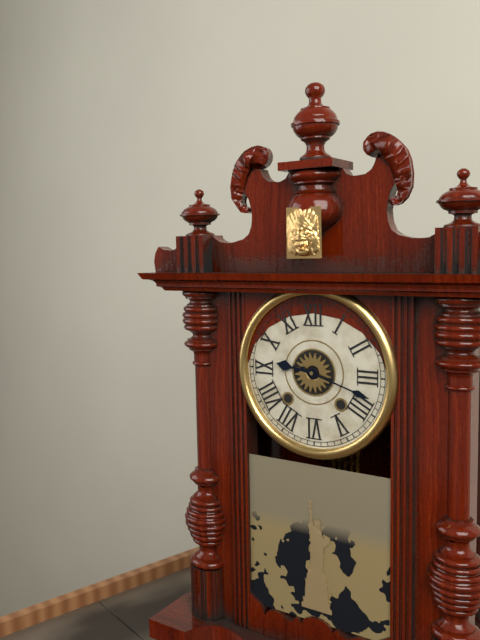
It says 9:18
